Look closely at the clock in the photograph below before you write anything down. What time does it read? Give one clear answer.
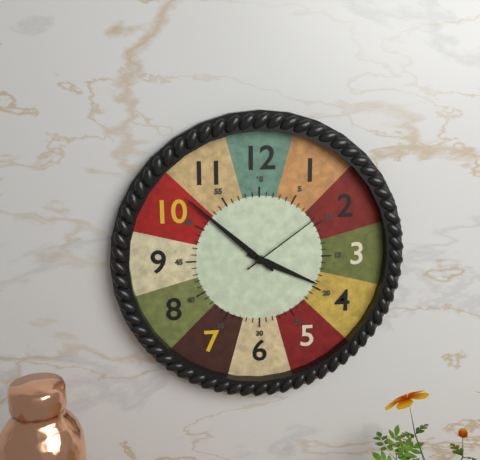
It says 3:52:09
